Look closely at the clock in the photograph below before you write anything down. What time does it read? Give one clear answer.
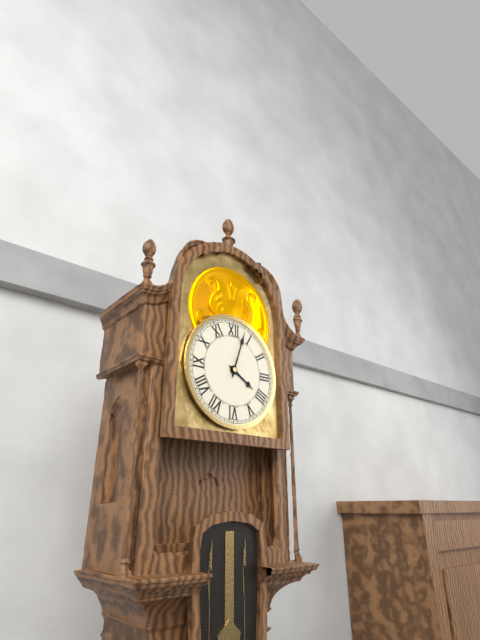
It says 4:03
